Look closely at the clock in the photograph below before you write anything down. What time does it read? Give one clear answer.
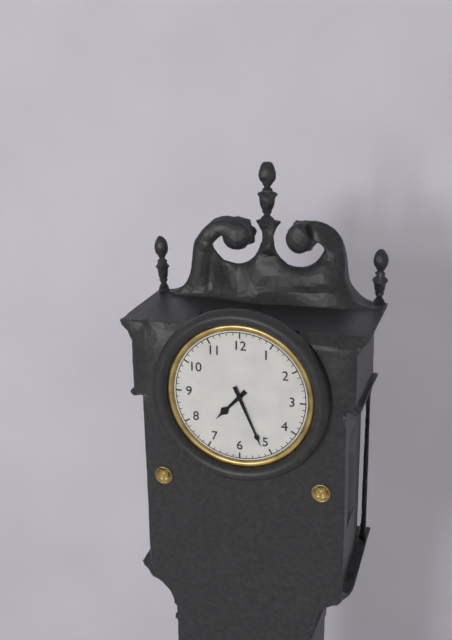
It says 7:26
